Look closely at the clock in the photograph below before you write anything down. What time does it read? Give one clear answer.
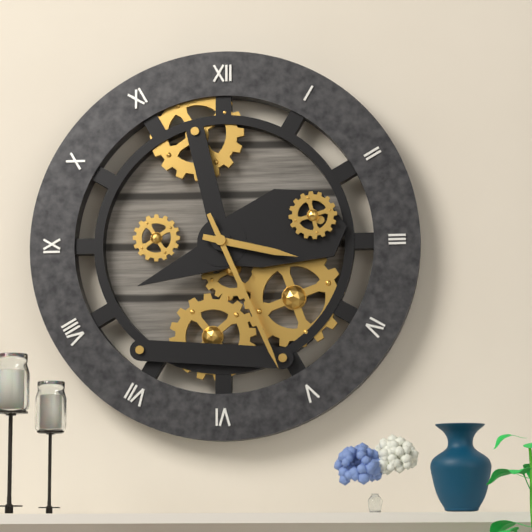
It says 3:26
